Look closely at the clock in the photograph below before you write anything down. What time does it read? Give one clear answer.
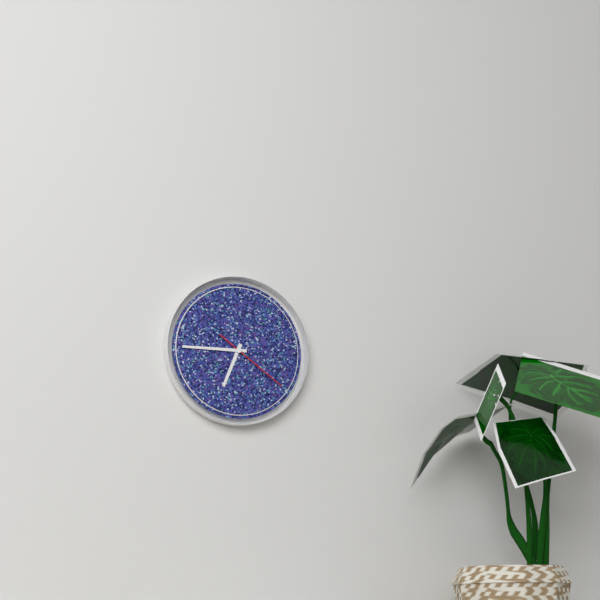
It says 6:45:21
